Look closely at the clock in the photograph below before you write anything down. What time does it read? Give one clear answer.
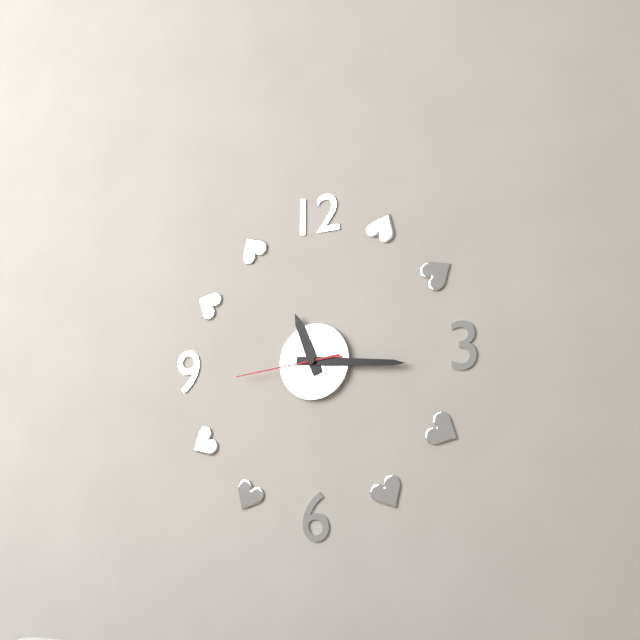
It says 11:16:44
